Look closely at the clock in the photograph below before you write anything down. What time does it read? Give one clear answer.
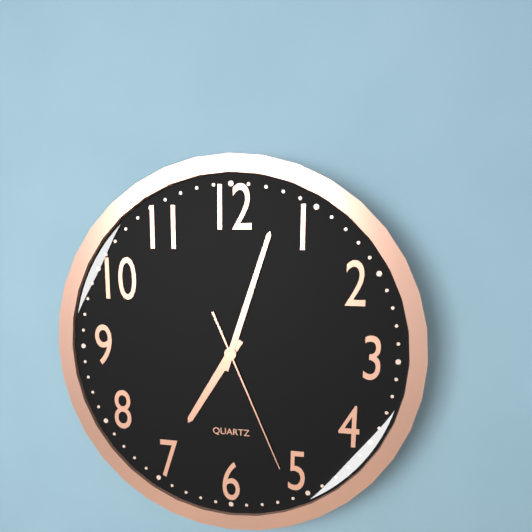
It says 7:03:26
